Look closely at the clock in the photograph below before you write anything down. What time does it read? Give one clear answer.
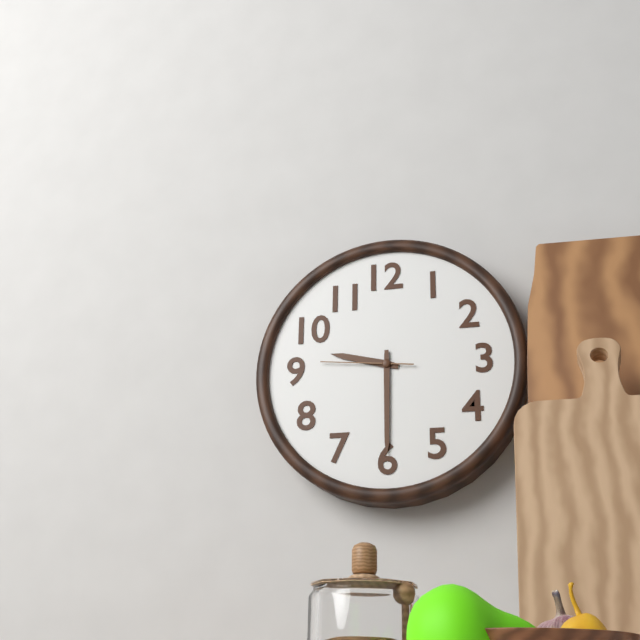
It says 9:30:46
